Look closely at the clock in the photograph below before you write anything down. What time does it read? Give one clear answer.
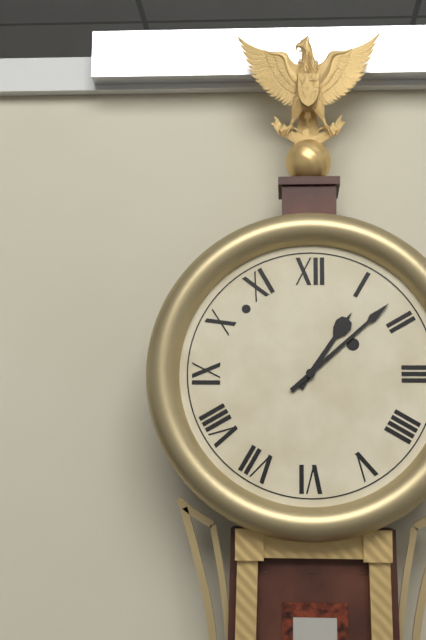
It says 1:08
